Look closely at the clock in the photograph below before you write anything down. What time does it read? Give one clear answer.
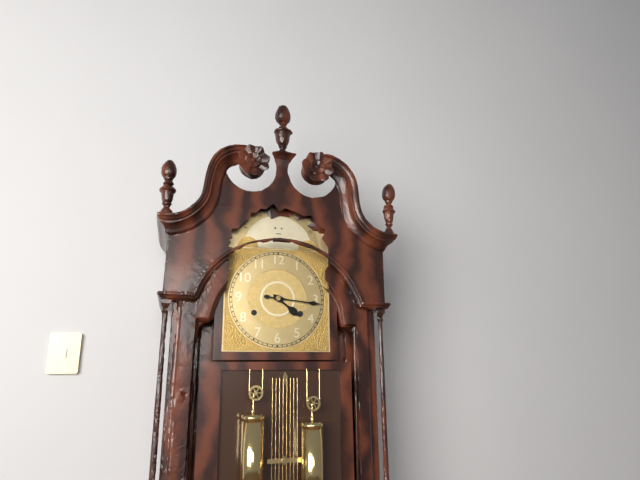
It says 4:16
